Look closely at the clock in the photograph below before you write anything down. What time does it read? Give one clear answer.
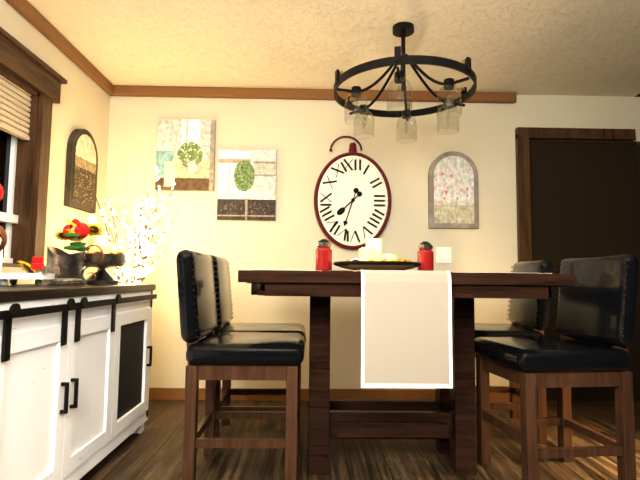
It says 7:33
